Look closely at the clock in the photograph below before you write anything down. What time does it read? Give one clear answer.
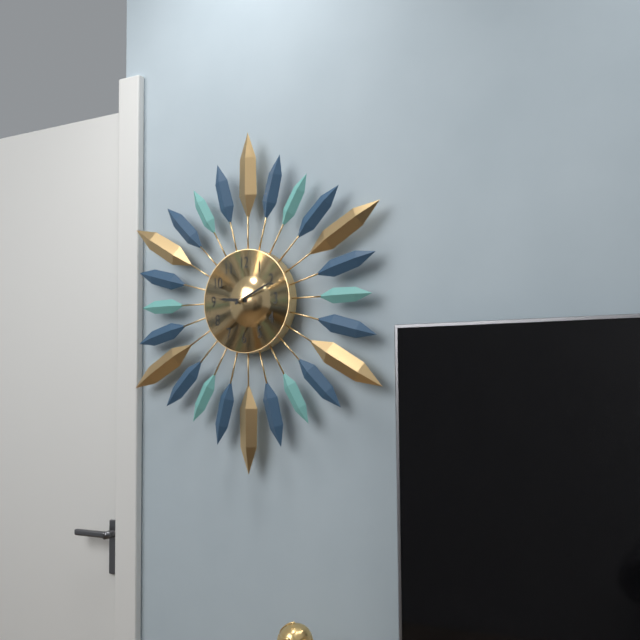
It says 9:11
